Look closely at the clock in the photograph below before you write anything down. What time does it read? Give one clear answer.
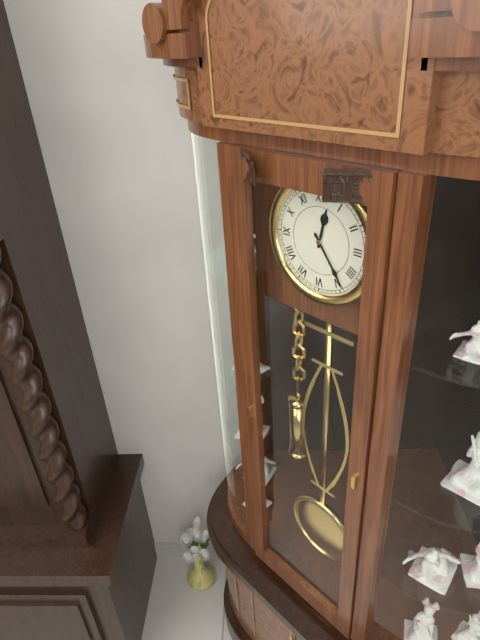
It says 12:24
